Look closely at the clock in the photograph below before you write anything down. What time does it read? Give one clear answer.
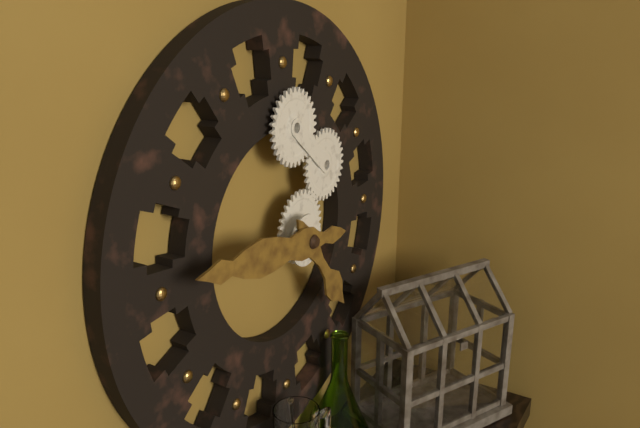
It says 4:46
